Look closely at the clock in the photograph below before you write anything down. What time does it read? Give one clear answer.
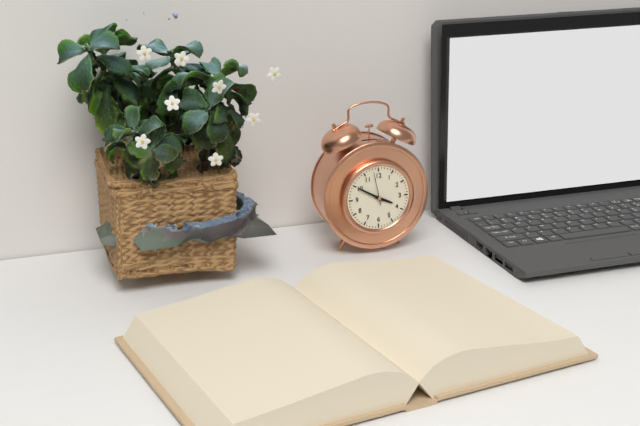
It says 3:50
